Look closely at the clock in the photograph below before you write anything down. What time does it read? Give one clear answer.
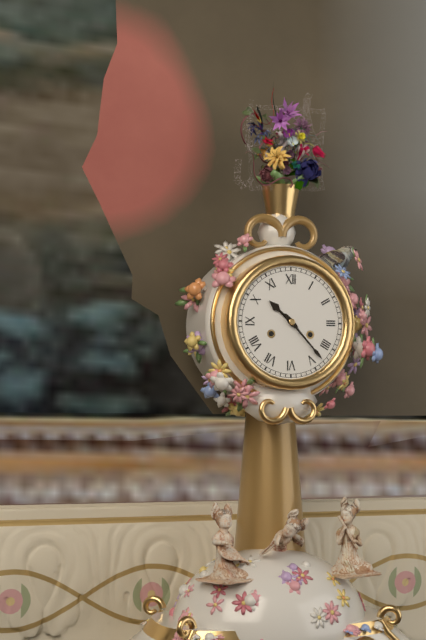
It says 10:23
